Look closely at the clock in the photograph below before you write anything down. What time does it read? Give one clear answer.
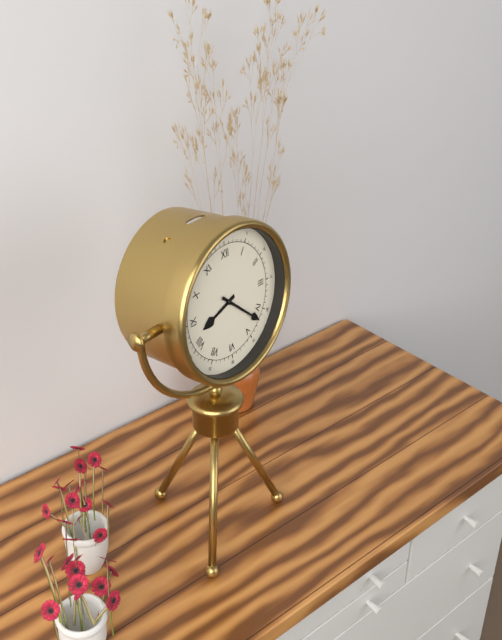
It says 8:22
